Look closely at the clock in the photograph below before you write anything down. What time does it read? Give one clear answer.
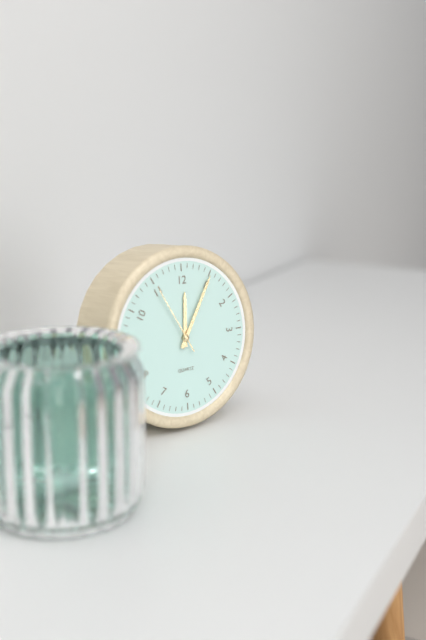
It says 12:05:55
